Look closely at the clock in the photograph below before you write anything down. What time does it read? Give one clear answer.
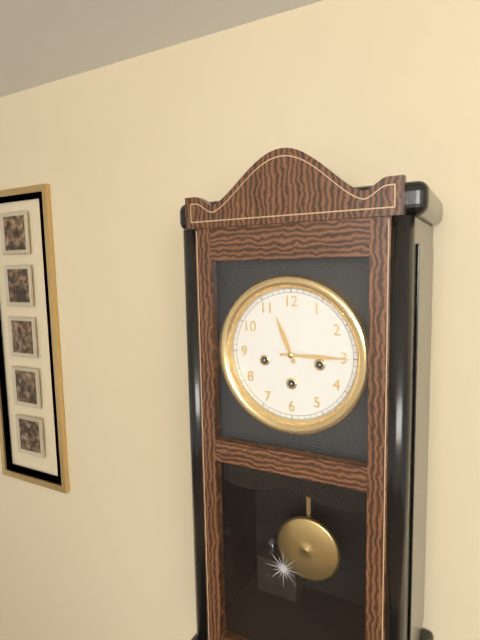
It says 11:15
